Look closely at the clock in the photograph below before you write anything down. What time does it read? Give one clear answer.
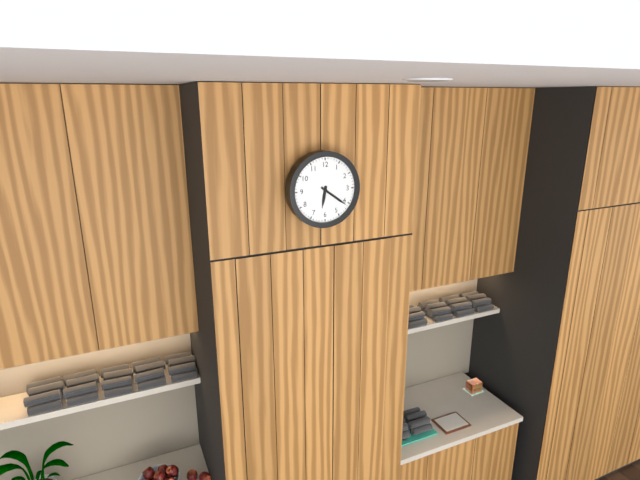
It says 6:21
